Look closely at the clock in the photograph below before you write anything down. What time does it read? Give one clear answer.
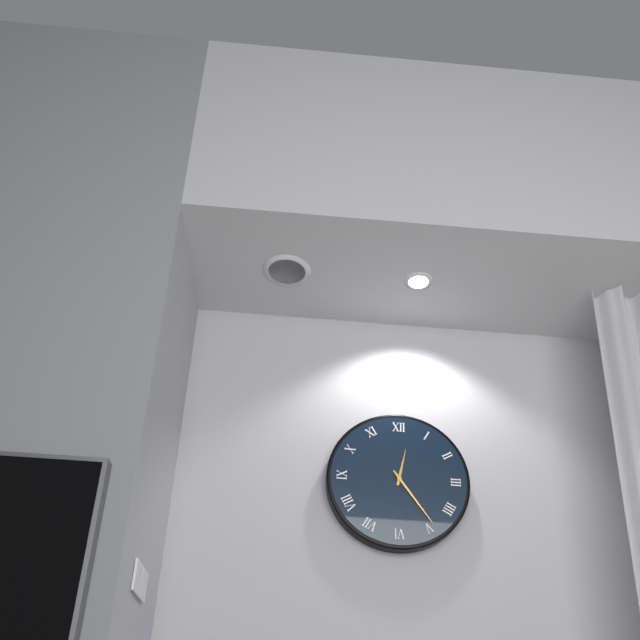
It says 12:24
